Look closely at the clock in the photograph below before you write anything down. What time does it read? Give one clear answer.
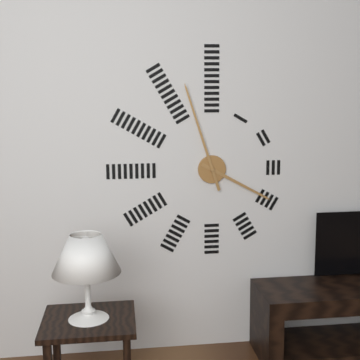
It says 3:57
